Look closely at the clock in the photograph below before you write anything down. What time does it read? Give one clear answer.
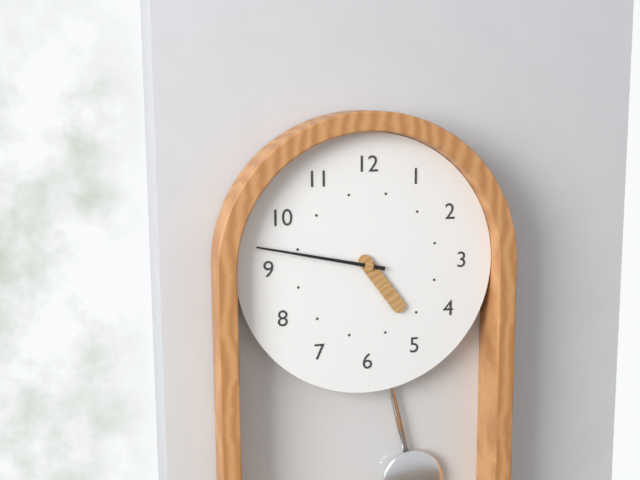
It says 4:47
